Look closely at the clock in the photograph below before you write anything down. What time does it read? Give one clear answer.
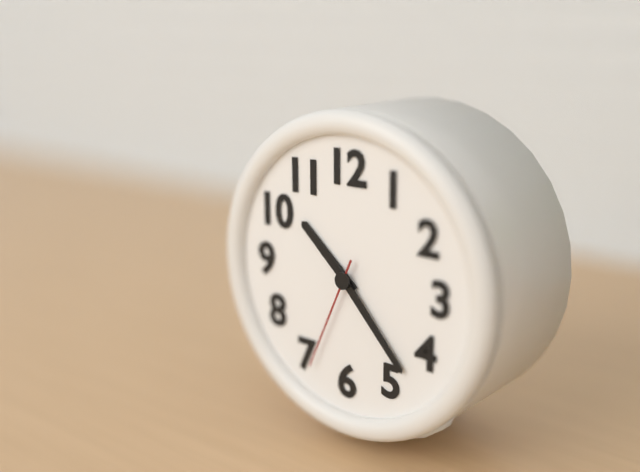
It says 10:23:34
